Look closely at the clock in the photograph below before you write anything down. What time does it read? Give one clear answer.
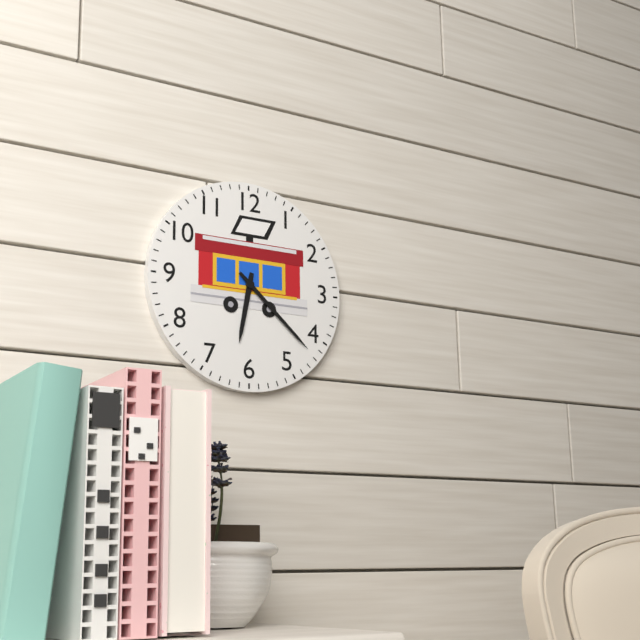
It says 6:22
